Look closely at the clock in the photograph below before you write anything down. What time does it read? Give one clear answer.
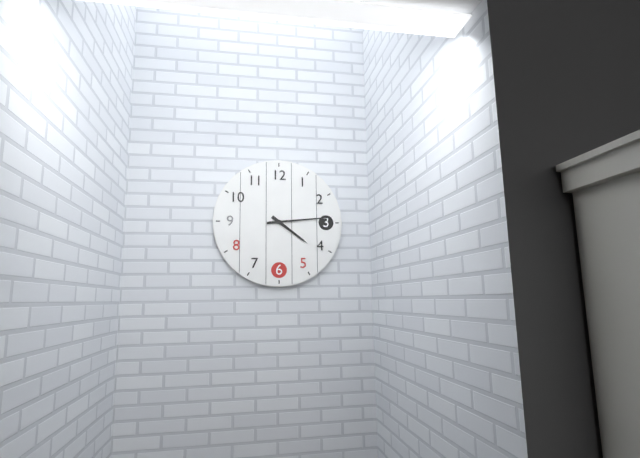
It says 4:14
